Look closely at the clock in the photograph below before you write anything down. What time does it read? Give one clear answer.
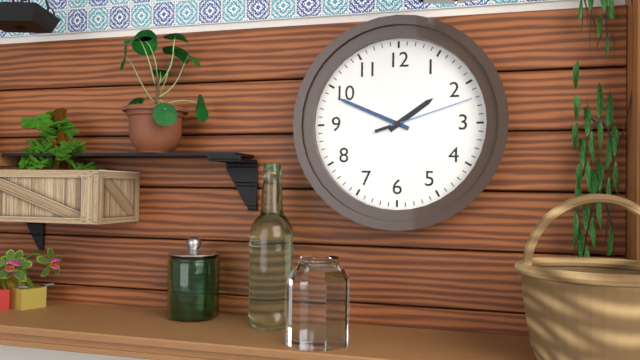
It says 1:49:12
